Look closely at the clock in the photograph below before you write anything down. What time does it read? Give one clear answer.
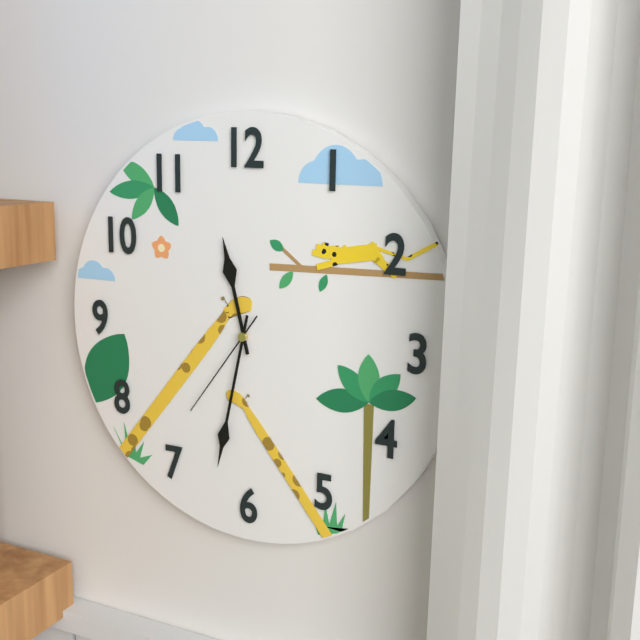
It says 11:32:36
